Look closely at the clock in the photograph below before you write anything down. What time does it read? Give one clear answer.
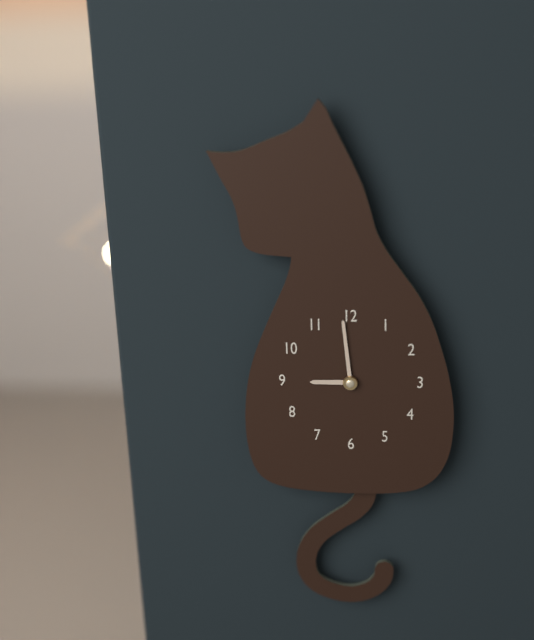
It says 8:59
